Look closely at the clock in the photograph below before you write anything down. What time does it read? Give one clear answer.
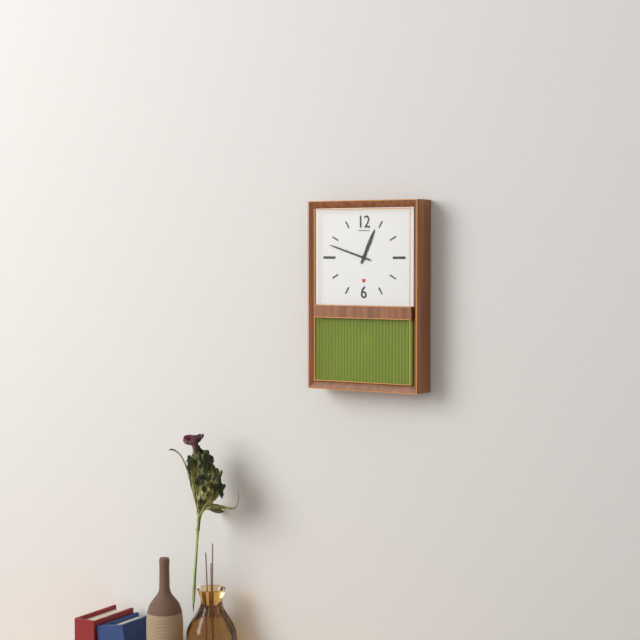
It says 12:48
